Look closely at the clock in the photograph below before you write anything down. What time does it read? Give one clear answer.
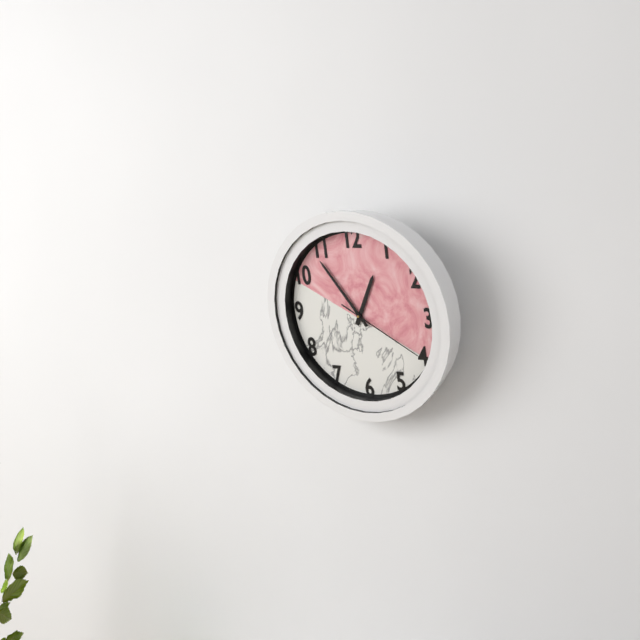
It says 12:54:20
